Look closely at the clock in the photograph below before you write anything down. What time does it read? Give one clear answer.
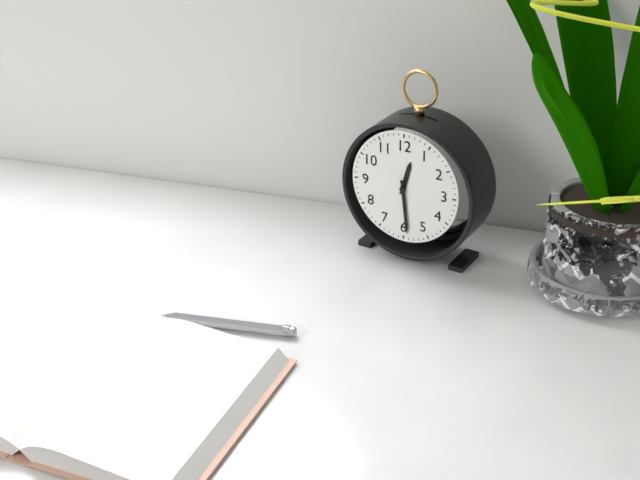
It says 12:29
